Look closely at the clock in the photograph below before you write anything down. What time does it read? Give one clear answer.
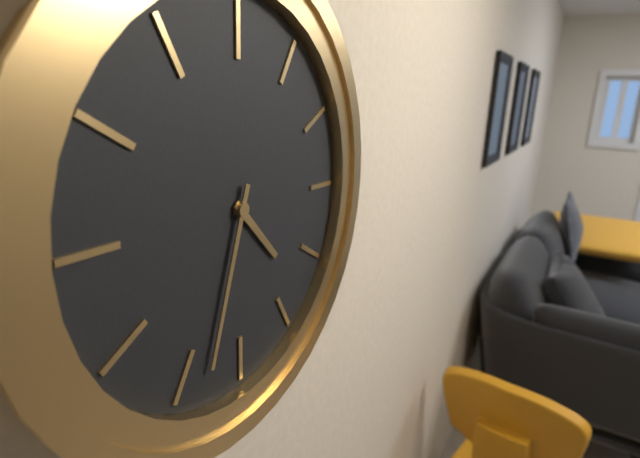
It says 4:33
